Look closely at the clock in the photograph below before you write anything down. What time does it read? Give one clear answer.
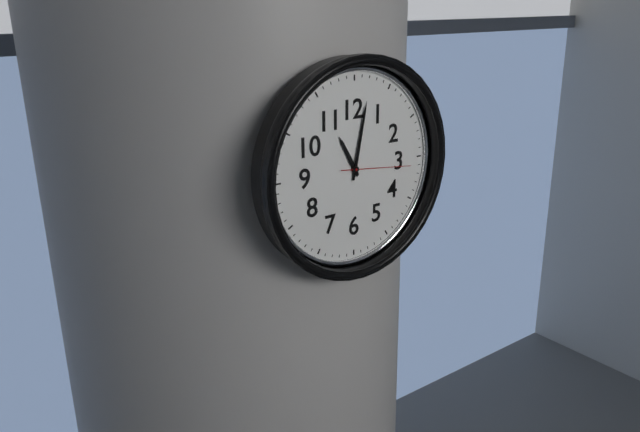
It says 11:02:16
